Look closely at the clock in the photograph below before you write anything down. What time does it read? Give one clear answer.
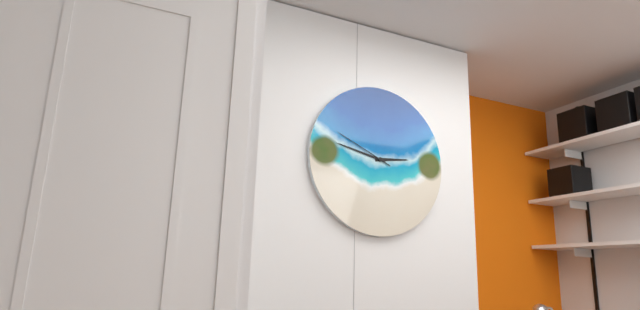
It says 2:47:49
